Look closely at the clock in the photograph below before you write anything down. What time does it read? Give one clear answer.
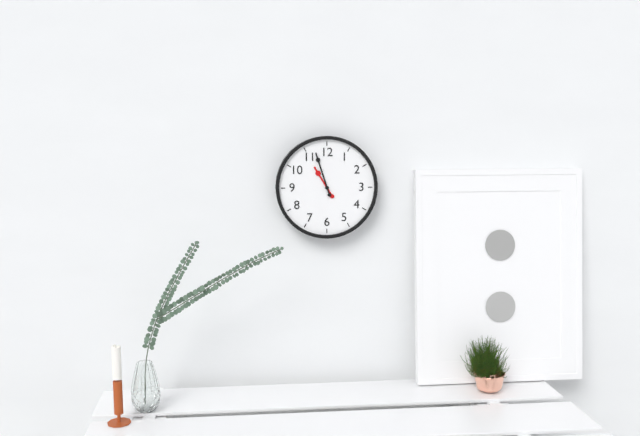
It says 10:57
